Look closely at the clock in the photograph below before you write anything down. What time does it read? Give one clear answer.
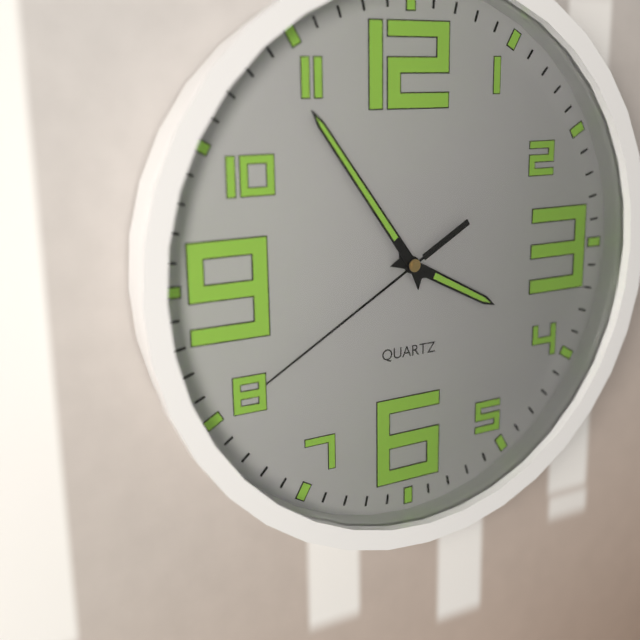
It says 3:54:40
